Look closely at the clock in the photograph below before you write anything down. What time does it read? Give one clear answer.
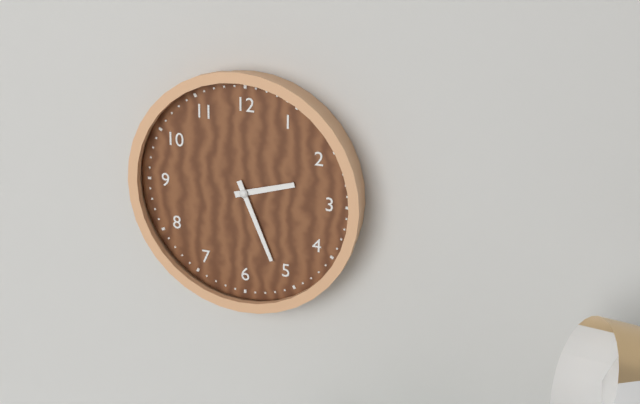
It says 2:26
